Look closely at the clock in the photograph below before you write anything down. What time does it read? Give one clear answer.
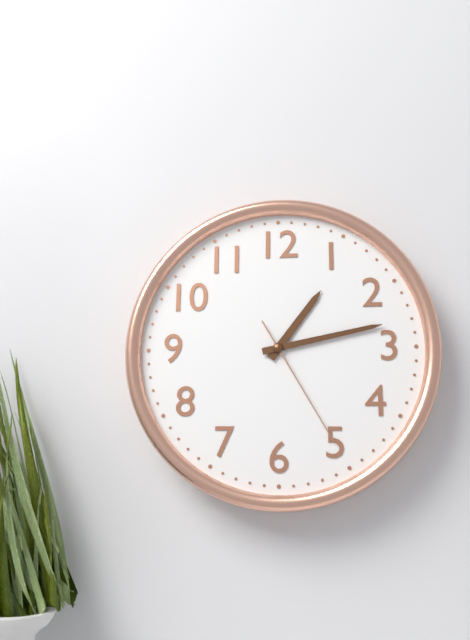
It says 1:13:25
